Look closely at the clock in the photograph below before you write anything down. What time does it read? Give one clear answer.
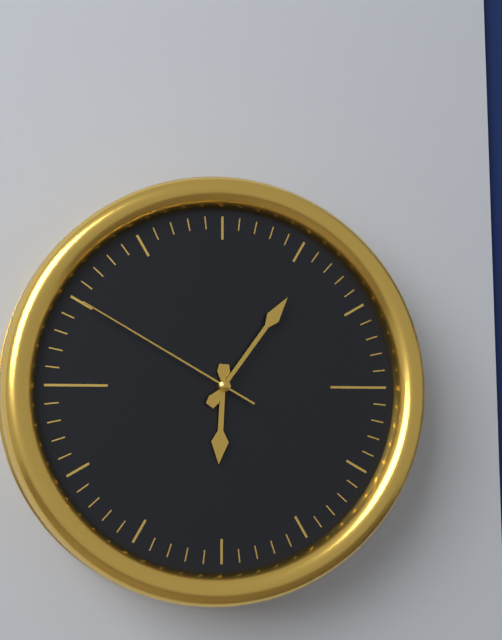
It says 6:06:50
